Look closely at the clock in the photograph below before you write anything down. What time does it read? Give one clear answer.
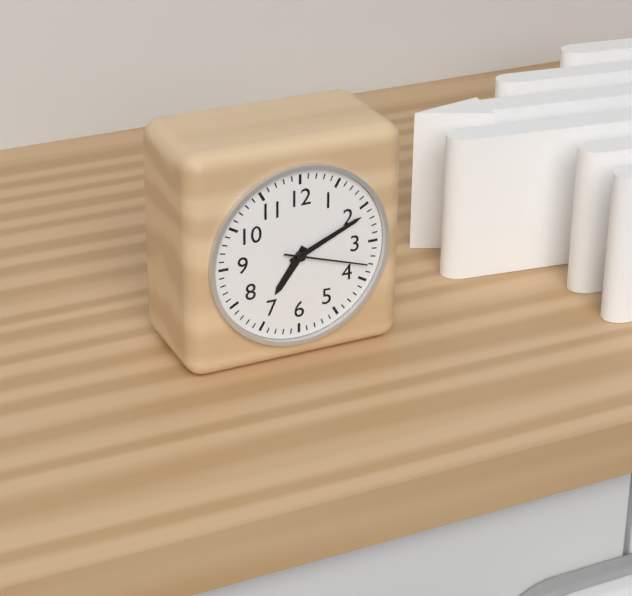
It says 7:11:18
